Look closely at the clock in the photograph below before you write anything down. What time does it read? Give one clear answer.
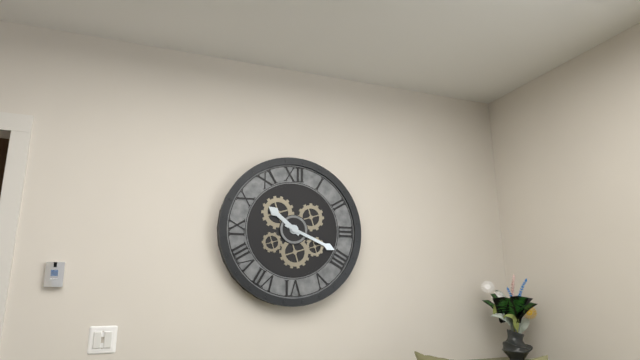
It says 10:19
